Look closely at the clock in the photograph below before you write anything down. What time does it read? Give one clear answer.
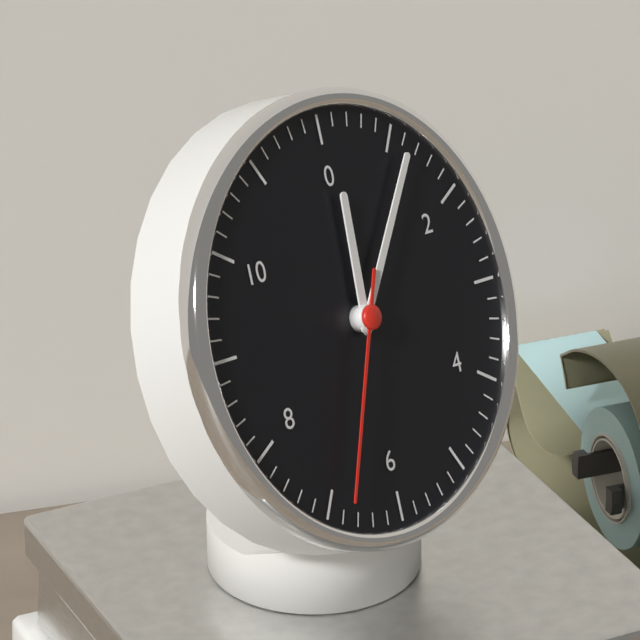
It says 12:06:34
